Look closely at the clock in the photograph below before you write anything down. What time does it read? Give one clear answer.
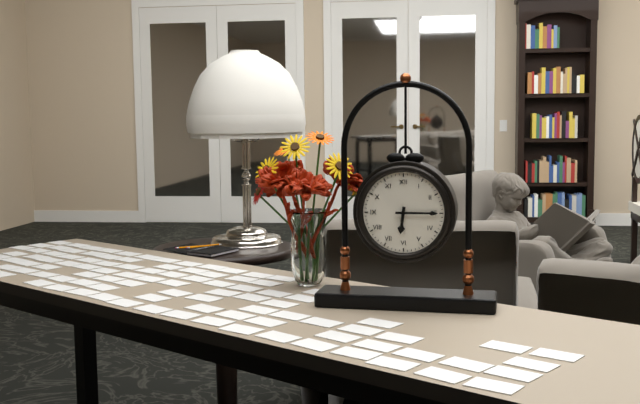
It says 6:15
